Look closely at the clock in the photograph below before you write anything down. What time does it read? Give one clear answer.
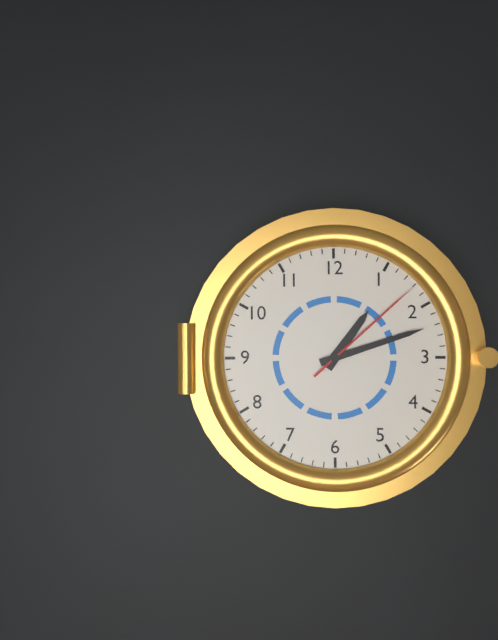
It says 1:12:08
